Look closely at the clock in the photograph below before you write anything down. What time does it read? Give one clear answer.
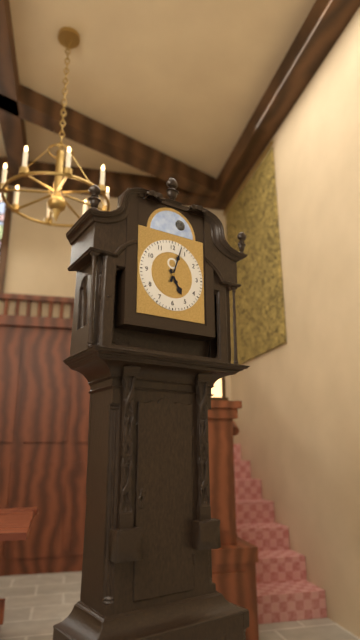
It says 5:03
